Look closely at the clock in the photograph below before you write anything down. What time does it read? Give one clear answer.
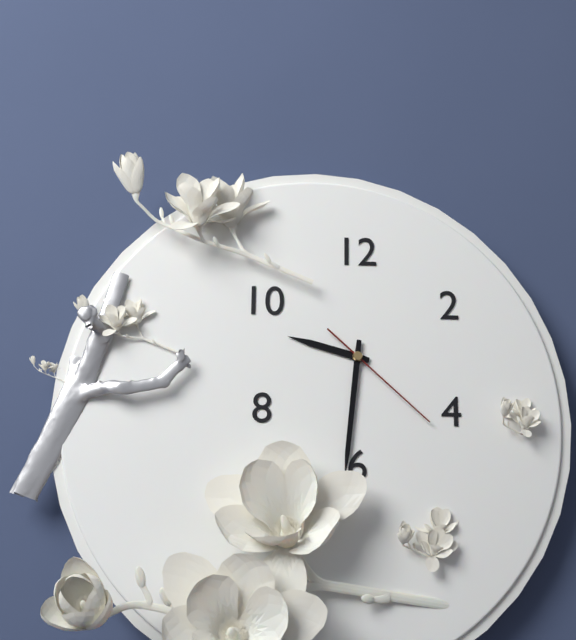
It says 9:31:22
